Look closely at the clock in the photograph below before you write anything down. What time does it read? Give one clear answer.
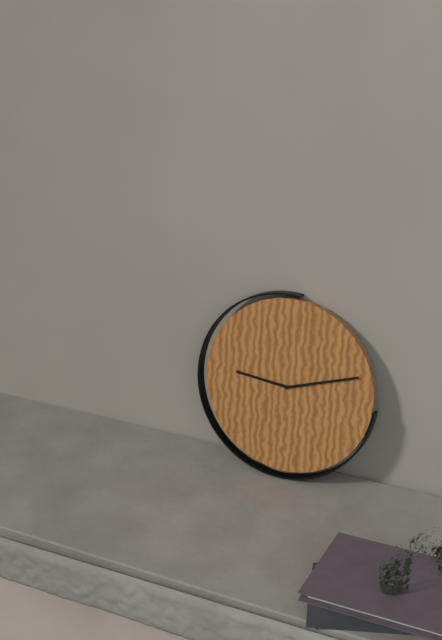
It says 9:12
